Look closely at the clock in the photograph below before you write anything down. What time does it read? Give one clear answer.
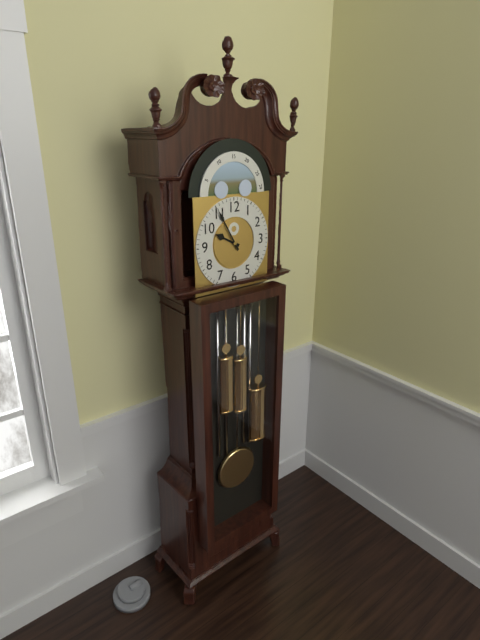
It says 9:55
